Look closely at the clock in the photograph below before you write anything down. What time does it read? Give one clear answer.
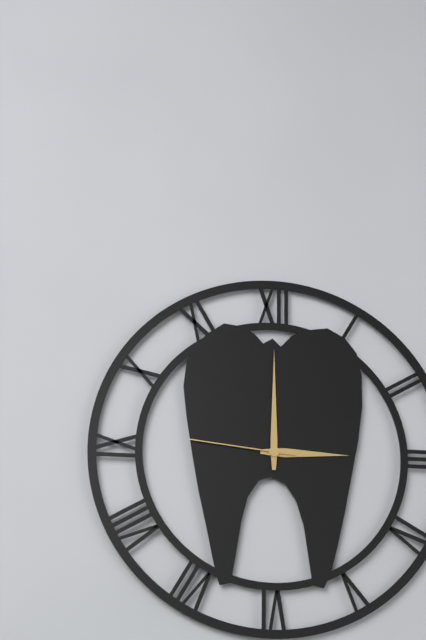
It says 3:00:46
